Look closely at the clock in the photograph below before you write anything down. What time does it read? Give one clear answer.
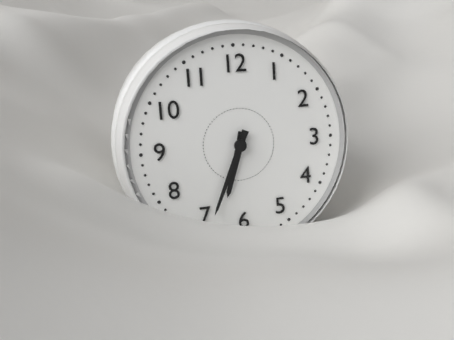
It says 6:34
